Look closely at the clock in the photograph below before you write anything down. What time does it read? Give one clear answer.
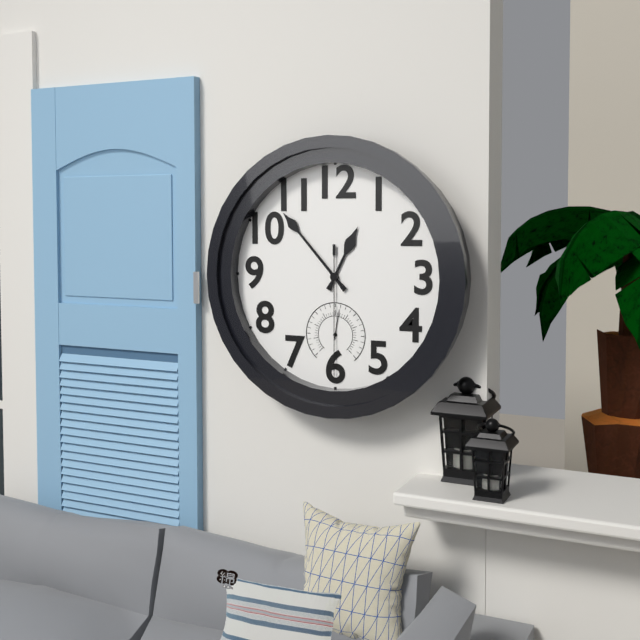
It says 12:53:30
